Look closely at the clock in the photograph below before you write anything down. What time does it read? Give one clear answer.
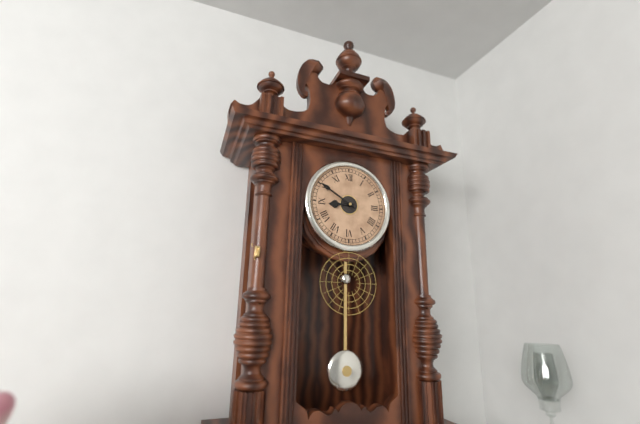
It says 8:50
